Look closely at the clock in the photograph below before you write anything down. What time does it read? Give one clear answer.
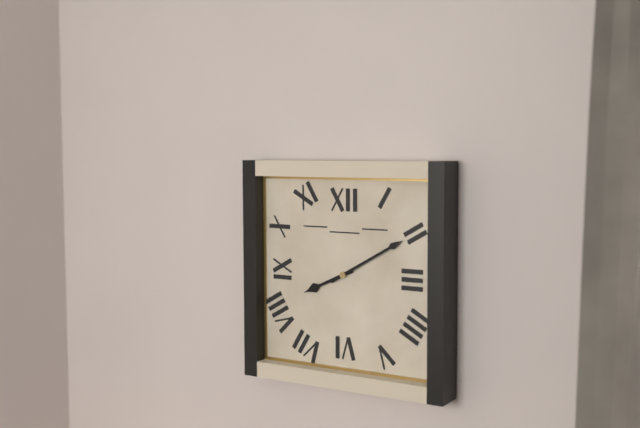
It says 8:10
